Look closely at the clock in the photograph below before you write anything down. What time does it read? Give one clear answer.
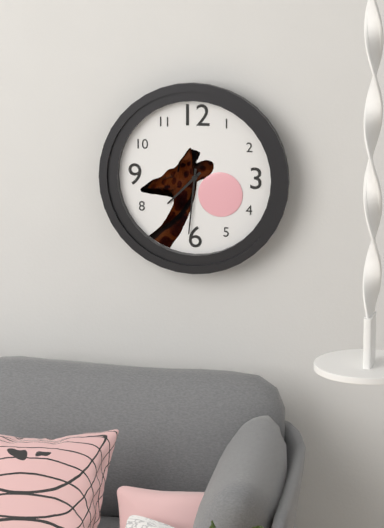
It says 7:31
